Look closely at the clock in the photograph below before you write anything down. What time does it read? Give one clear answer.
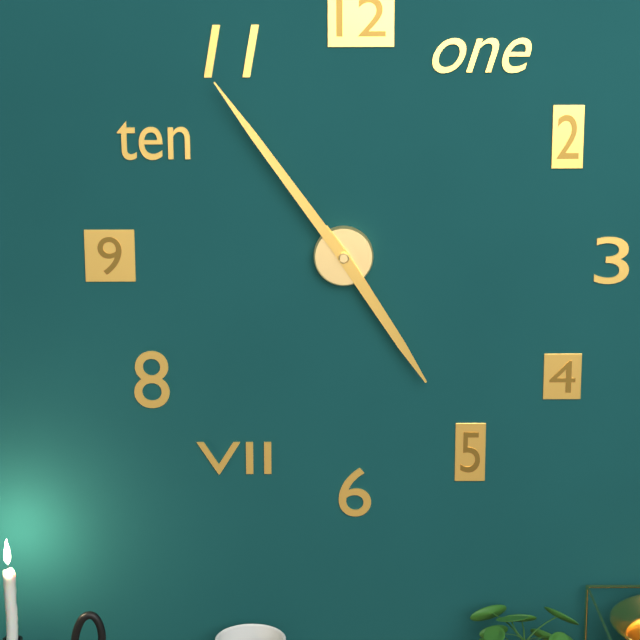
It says 4:54
